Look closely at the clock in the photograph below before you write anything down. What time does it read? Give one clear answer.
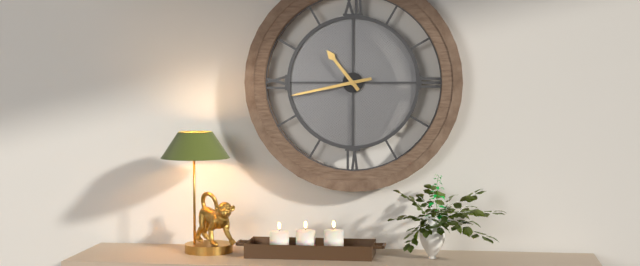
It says 10:43
